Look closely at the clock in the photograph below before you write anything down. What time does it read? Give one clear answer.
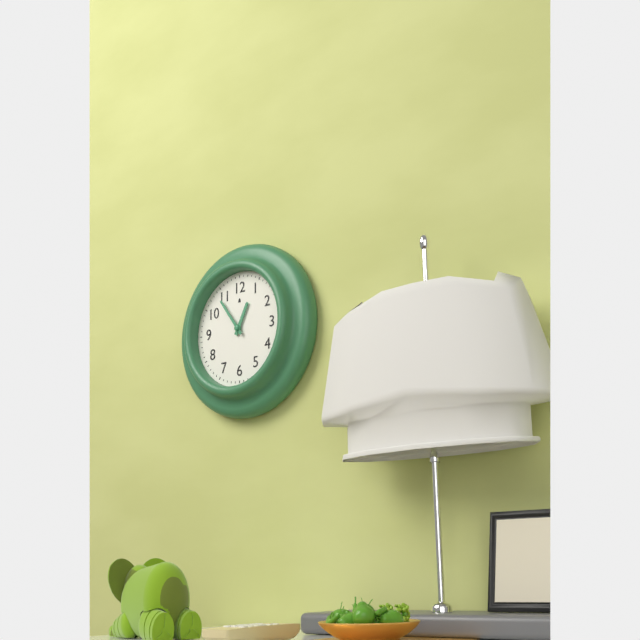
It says 12:54
